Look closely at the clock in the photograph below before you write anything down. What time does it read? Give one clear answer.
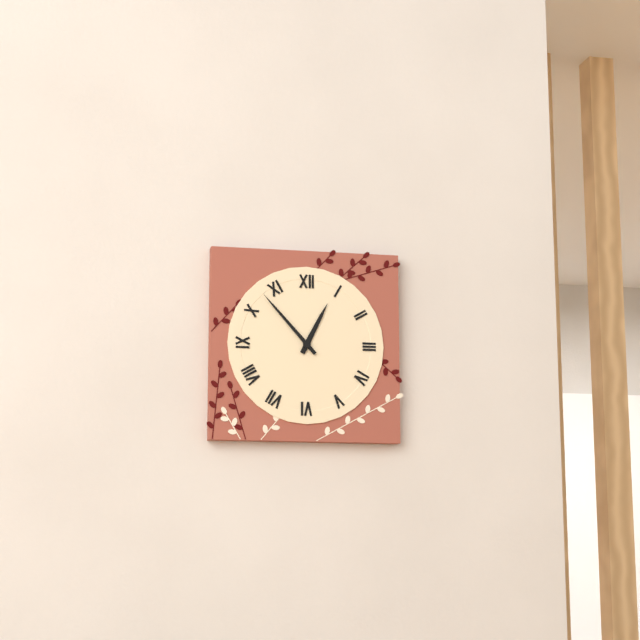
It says 12:53
